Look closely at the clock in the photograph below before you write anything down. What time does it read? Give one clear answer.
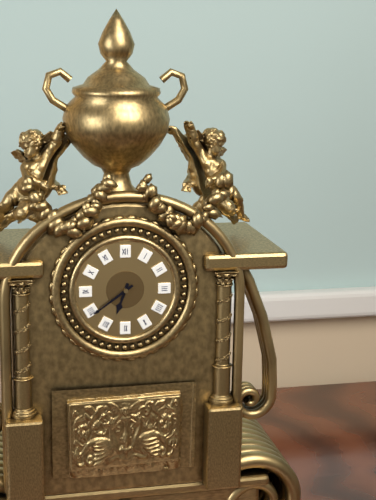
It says 6:39
